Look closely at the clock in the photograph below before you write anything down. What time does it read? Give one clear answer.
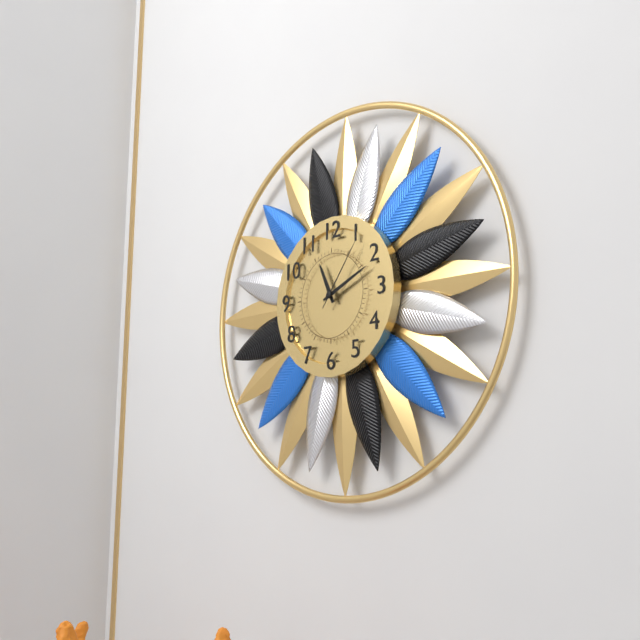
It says 11:11:06
